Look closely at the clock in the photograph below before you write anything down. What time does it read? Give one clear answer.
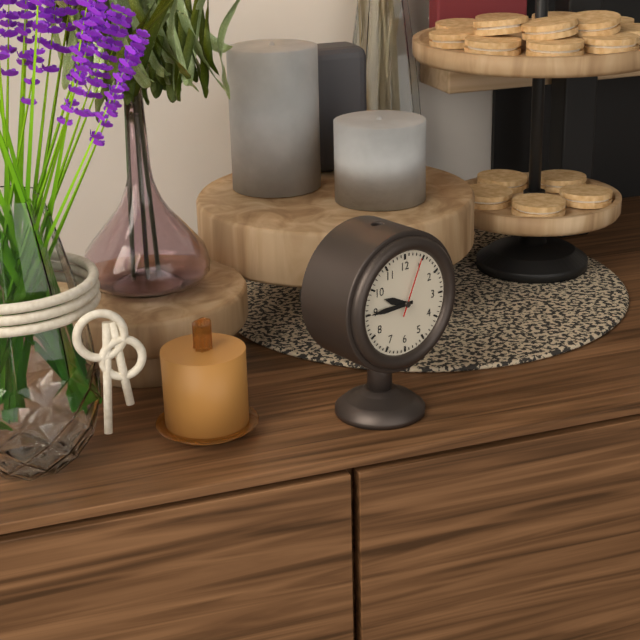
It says 9:45:04
